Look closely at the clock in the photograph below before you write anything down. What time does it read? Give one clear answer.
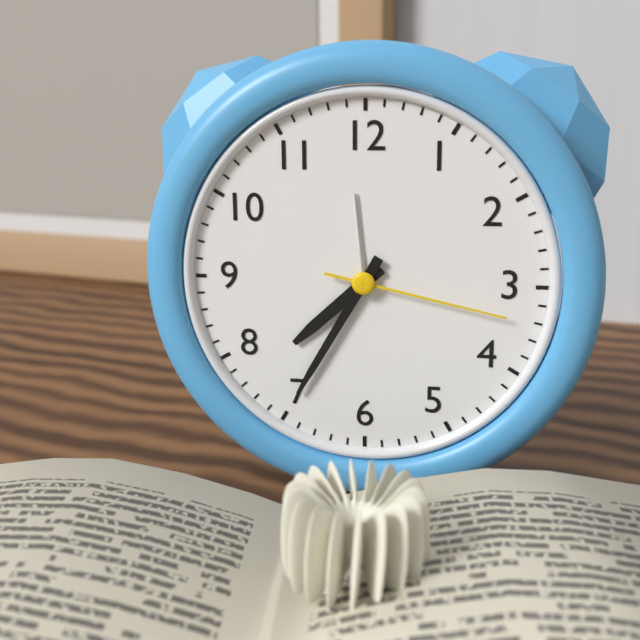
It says 7:35:17
